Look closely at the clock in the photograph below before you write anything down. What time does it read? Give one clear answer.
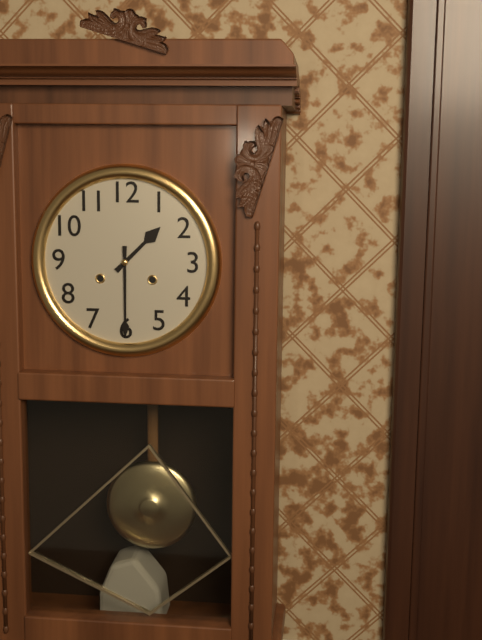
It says 1:30
